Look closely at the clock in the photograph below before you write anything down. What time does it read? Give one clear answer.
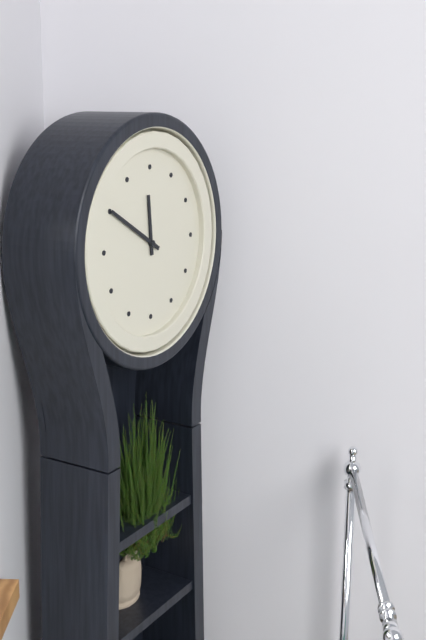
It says 11:50
